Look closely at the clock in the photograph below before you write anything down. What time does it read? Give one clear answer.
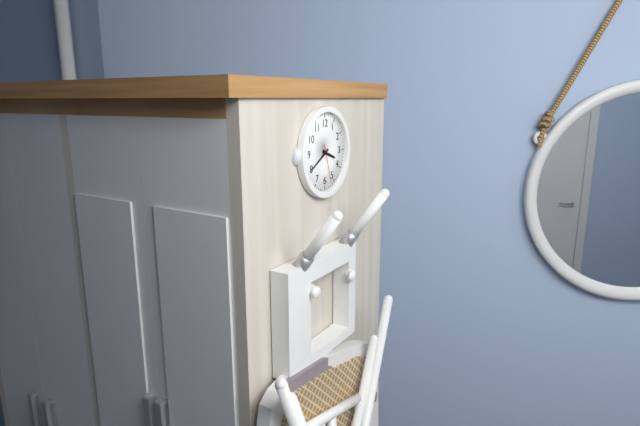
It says 3:40
